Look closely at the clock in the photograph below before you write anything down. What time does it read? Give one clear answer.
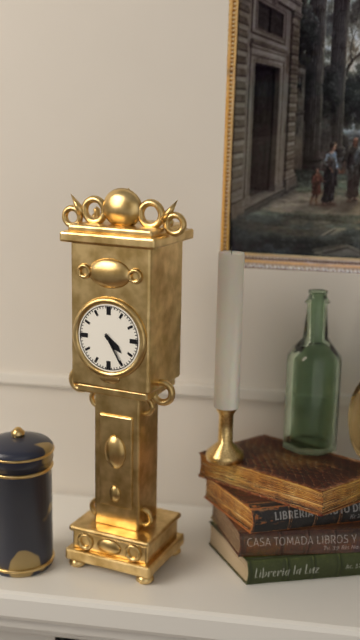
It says 4:25
